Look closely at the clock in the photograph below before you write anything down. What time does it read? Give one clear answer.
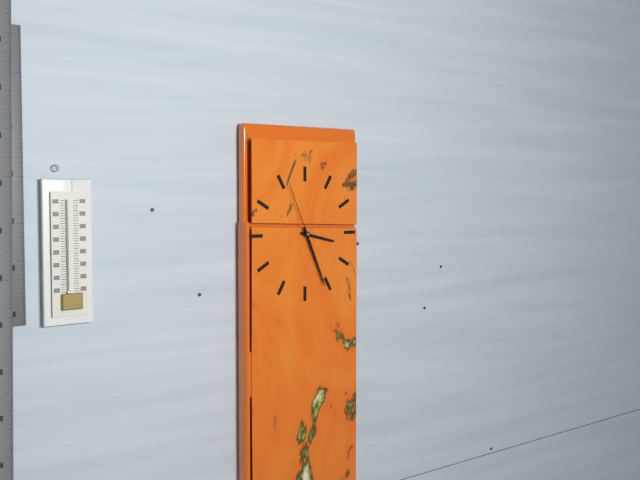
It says 3:26:56
